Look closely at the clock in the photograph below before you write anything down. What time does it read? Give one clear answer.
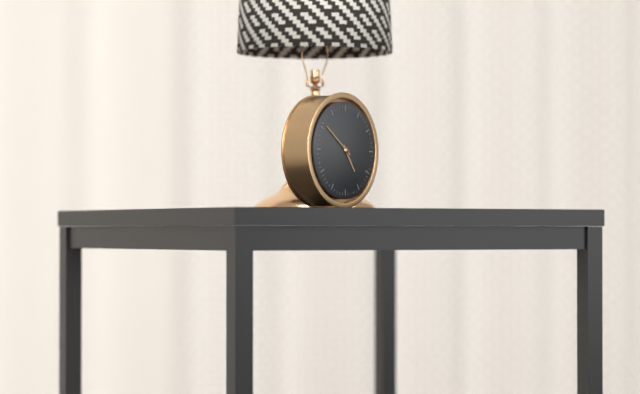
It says 4:51
